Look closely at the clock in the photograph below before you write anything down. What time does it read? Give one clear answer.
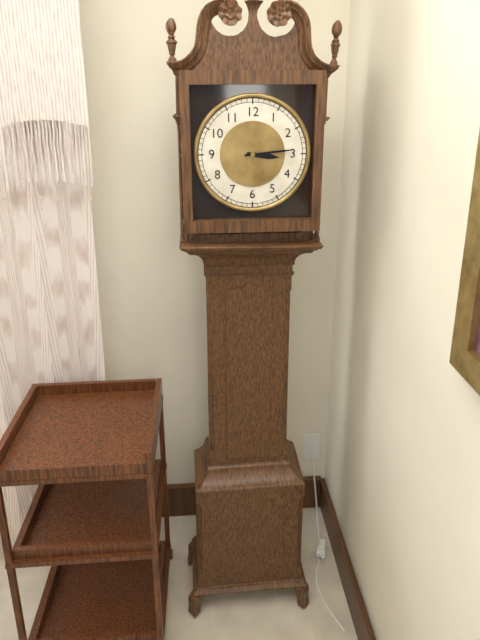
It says 3:14
